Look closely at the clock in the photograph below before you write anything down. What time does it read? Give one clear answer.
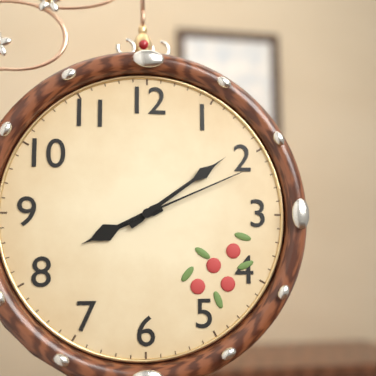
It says 8:09:11
